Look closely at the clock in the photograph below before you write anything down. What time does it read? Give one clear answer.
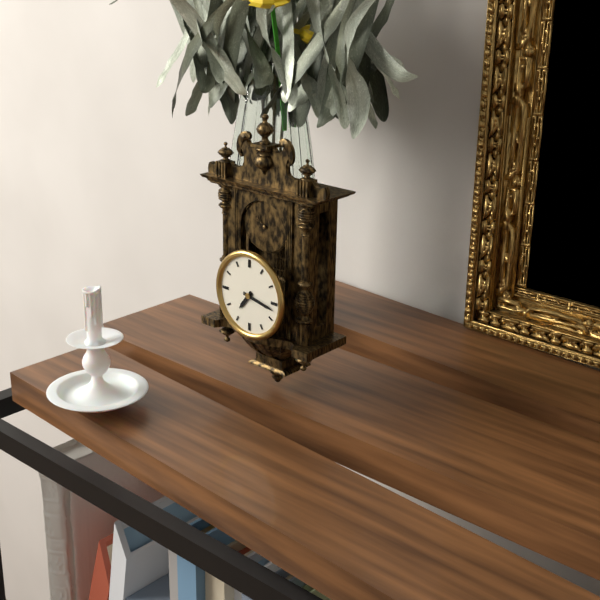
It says 7:17
